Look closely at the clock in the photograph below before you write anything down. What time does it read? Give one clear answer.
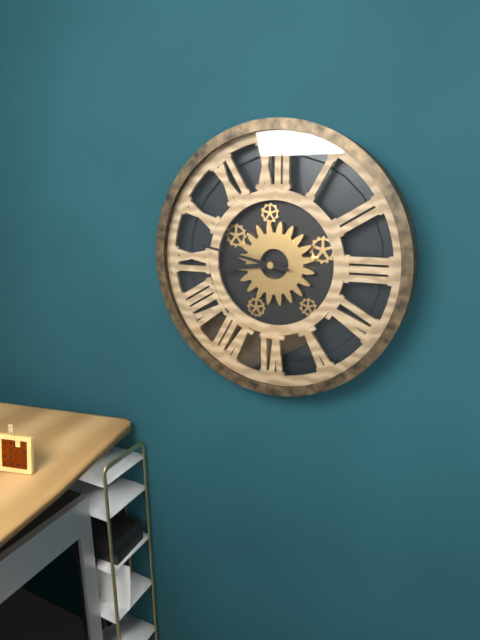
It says 8:47
